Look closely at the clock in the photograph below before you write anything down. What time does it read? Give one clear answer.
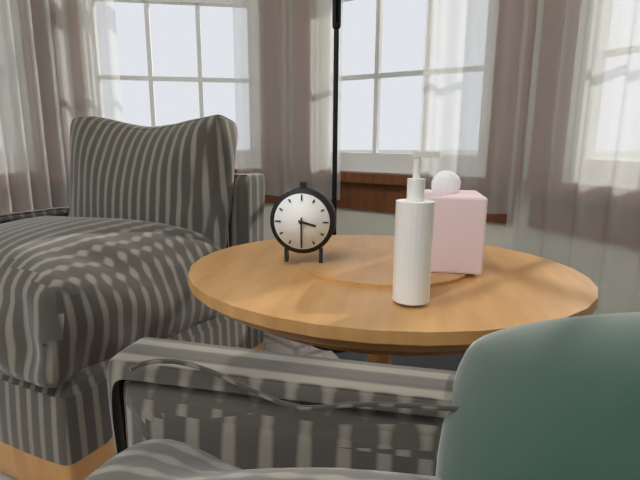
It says 3:30
